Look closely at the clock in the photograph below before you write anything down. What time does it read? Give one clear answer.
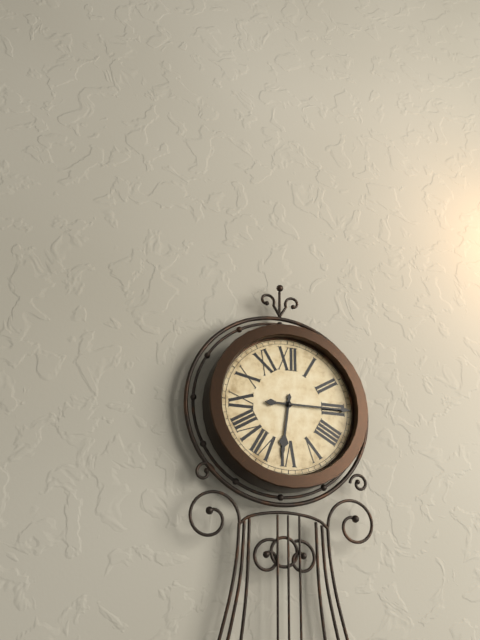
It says 6:15
